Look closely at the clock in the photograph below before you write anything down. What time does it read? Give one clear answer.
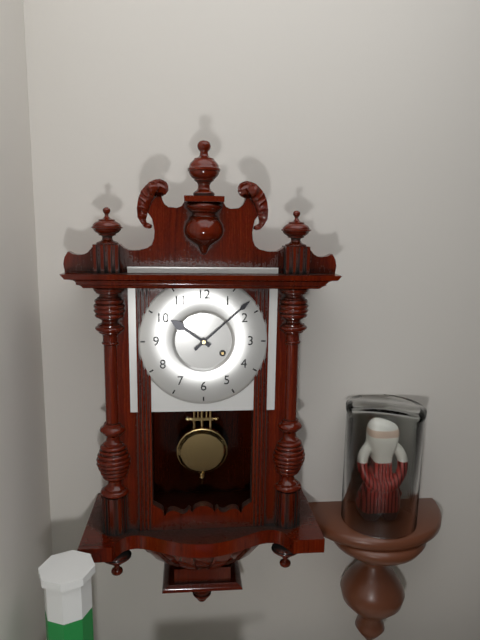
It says 10:08
